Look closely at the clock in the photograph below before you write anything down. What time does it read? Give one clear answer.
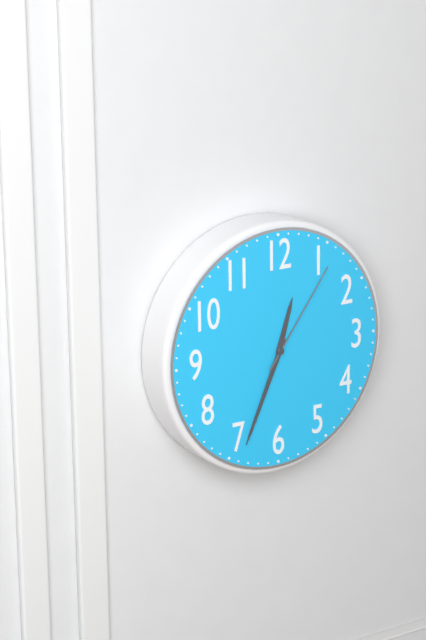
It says 12:34:06
